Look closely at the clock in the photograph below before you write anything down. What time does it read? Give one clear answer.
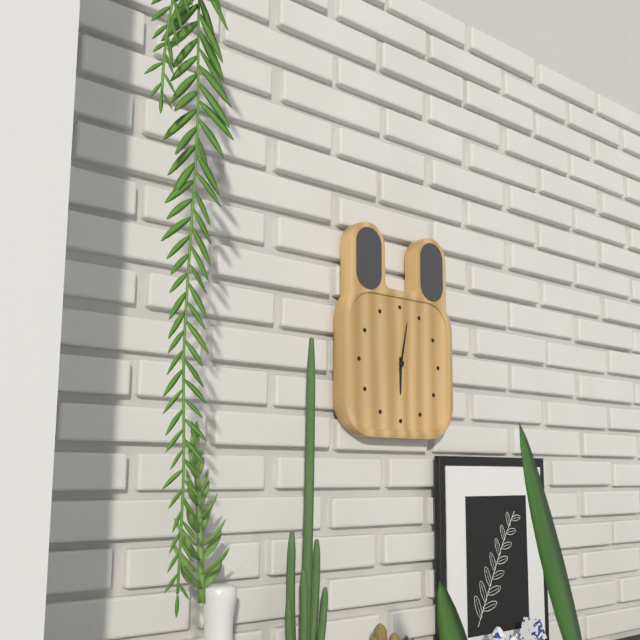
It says 6:02
